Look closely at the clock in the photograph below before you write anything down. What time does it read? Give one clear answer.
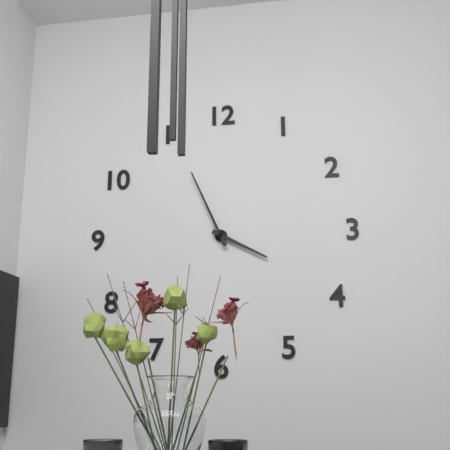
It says 3:56
